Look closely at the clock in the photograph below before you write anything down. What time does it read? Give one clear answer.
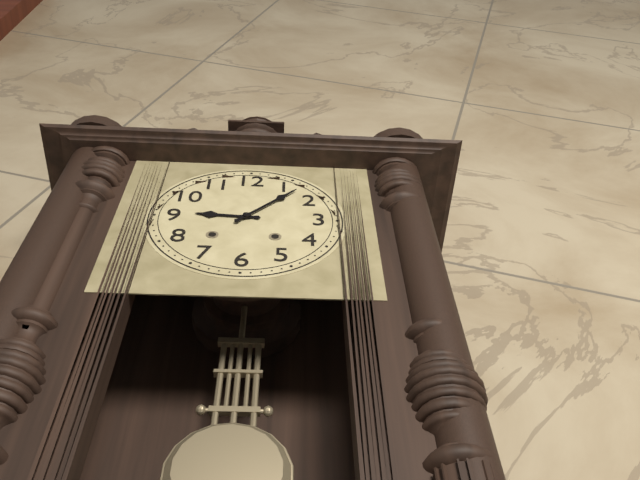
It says 9:07
